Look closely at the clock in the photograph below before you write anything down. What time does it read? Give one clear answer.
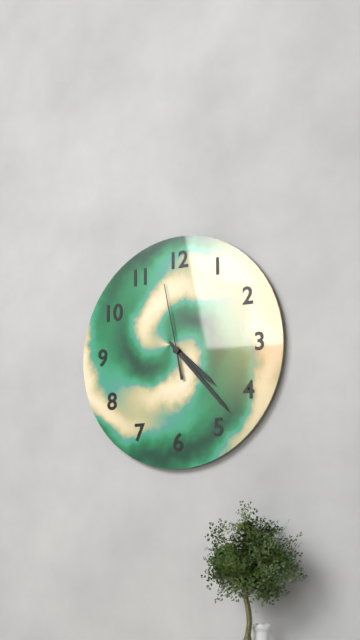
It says 4:23:58
